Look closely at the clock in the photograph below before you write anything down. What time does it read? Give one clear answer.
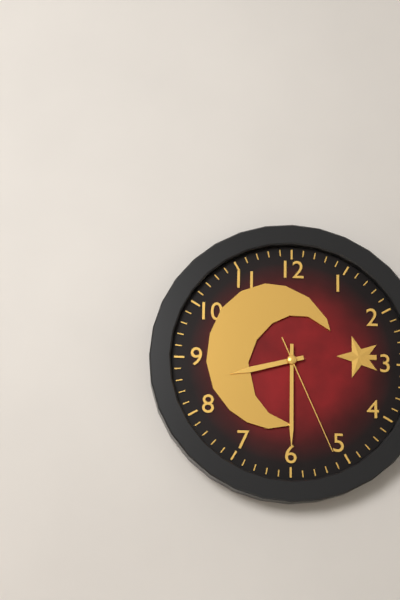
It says 8:30:26
